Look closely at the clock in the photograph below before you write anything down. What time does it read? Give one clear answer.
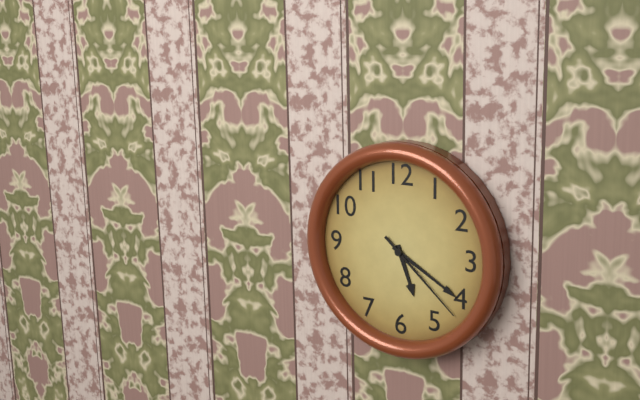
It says 5:20:22
